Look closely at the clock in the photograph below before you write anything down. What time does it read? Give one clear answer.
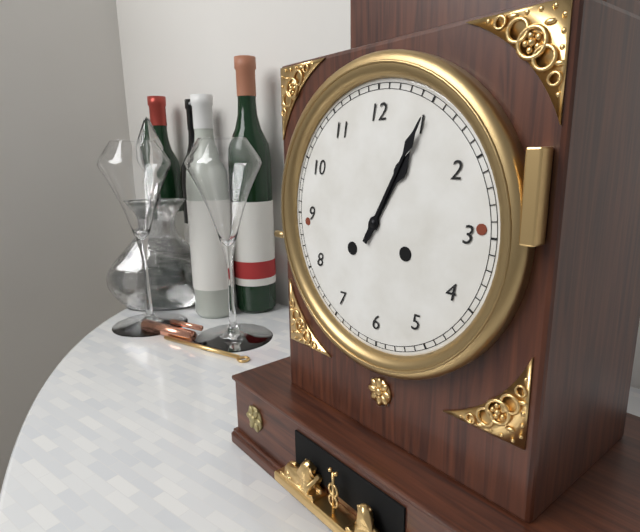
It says 1:05
